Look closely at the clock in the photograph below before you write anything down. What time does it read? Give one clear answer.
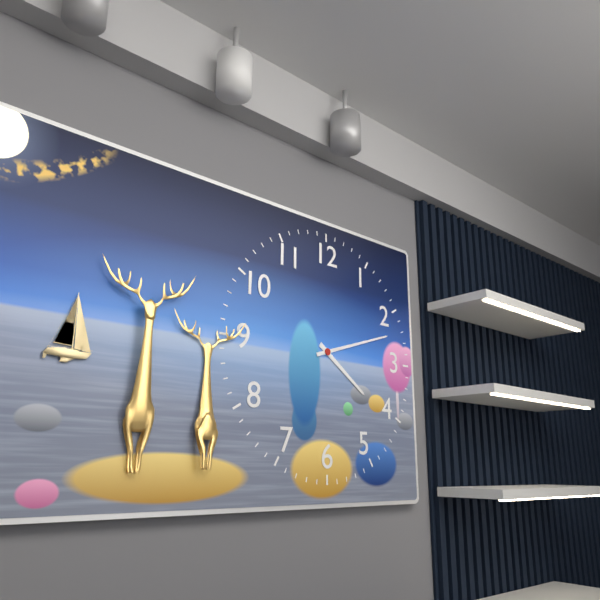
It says 4:12
